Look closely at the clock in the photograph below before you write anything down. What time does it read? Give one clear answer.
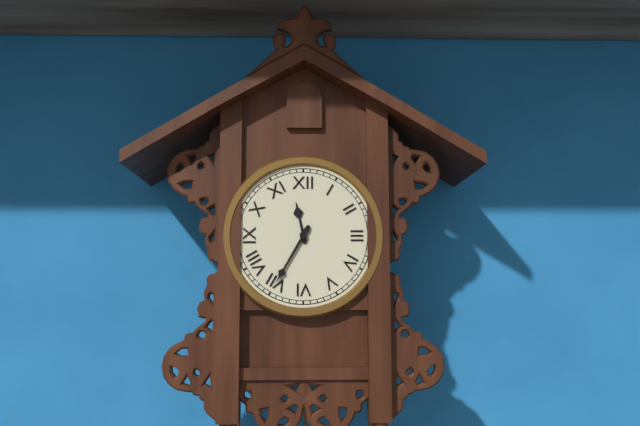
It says 11:35
